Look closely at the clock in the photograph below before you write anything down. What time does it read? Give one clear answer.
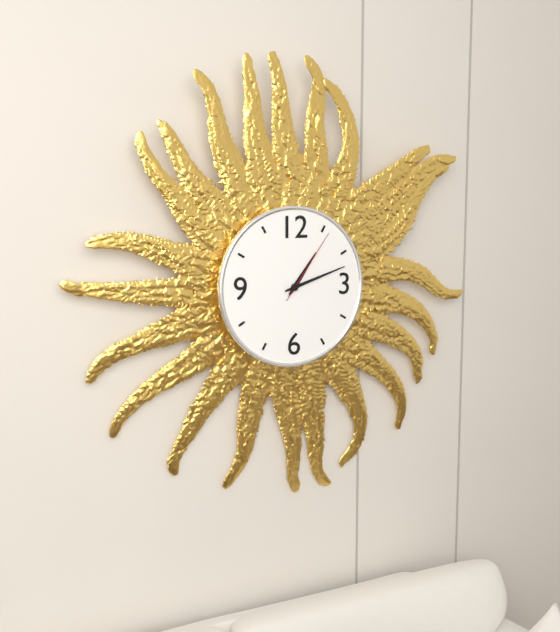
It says 1:12:06
